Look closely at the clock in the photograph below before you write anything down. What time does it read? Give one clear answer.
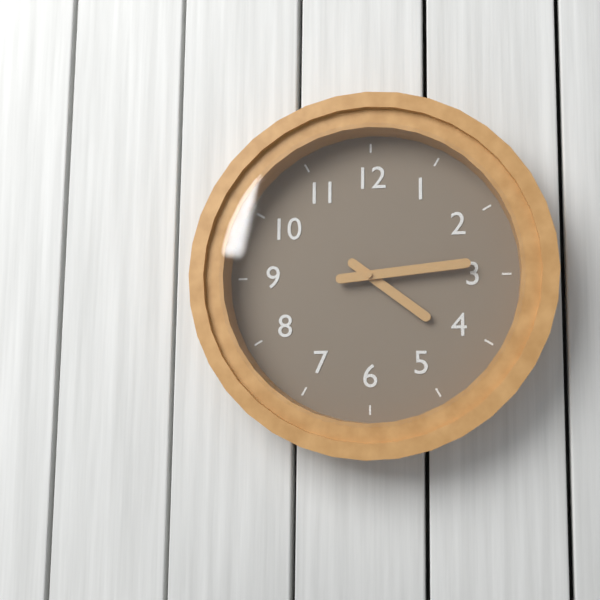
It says 4:14
